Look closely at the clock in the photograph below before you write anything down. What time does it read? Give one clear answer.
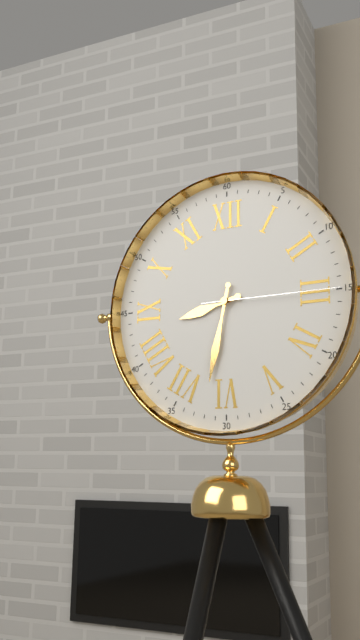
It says 8:32:15
